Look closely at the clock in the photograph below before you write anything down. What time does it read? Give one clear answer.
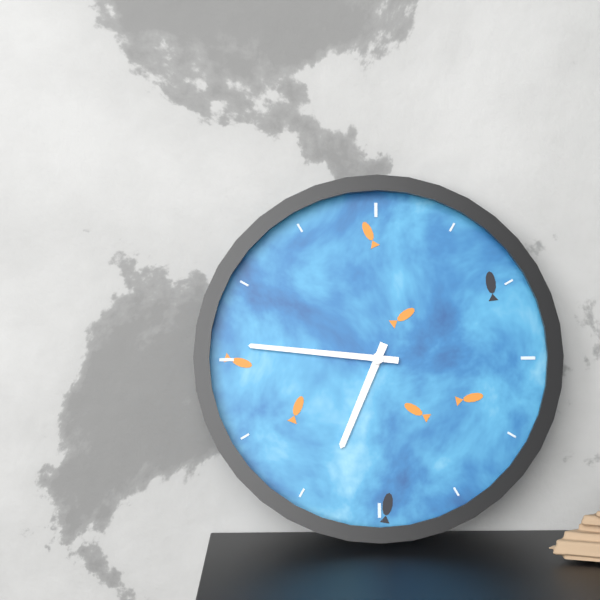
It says 6:46
